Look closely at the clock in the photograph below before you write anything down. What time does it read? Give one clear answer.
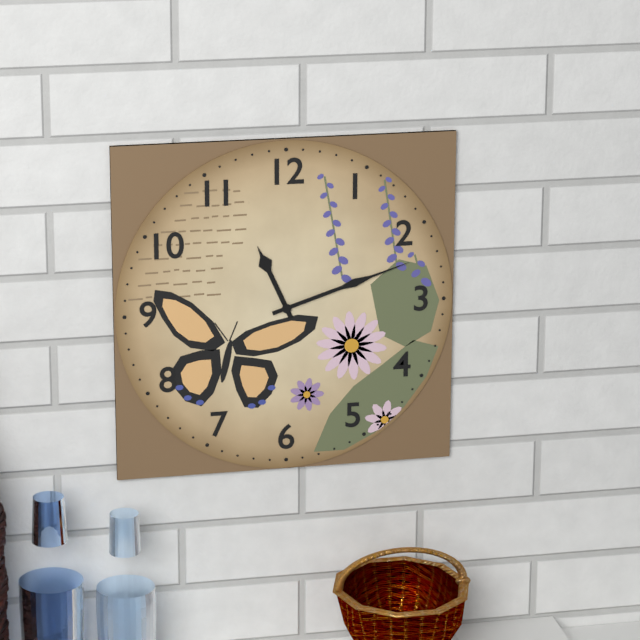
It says 11:12
